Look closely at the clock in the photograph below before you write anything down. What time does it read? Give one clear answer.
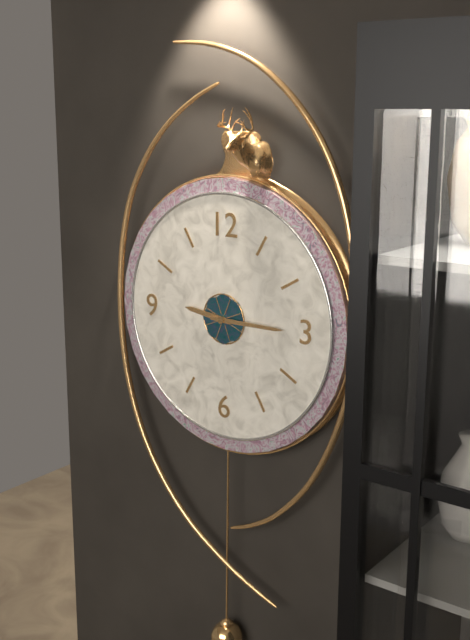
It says 9:15
